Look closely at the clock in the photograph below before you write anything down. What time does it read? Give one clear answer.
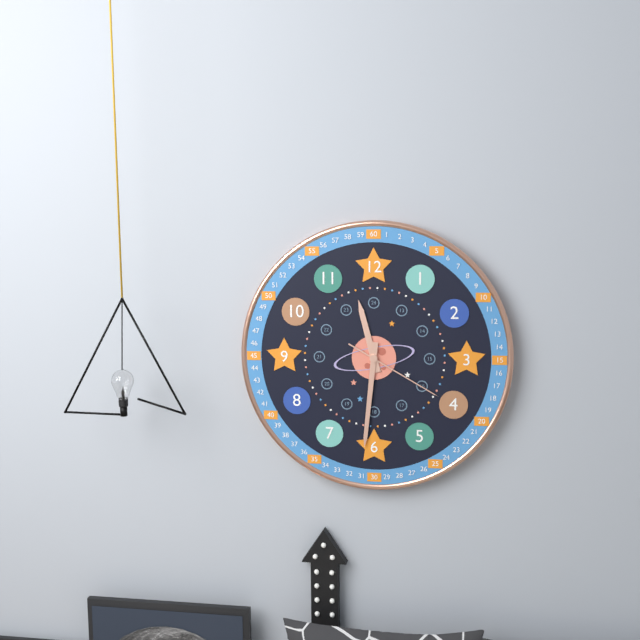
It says 11:31:20
